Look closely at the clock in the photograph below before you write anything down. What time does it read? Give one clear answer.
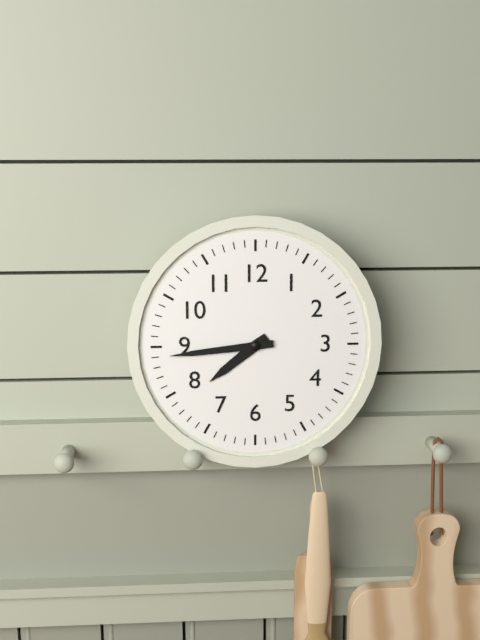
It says 7:44
